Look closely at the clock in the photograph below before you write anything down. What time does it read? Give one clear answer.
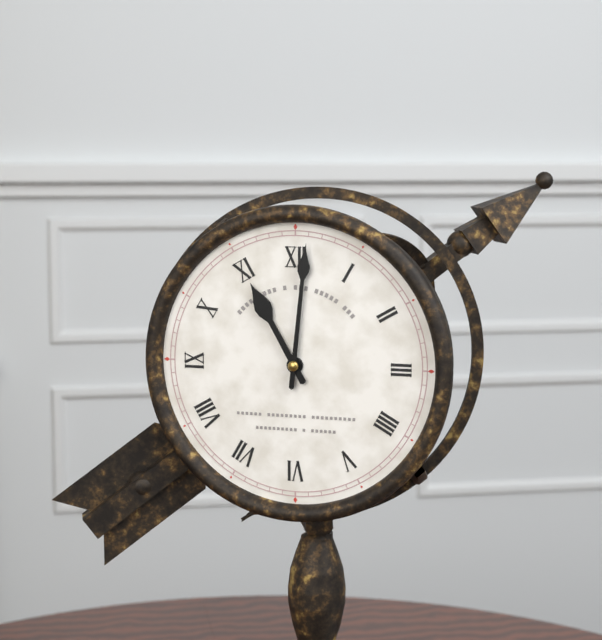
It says 11:01
